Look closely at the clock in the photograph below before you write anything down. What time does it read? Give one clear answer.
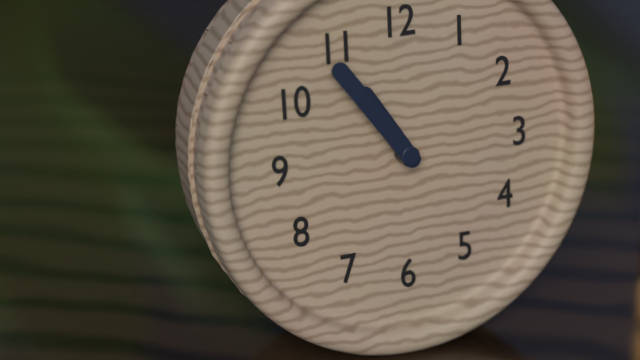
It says 10:54
